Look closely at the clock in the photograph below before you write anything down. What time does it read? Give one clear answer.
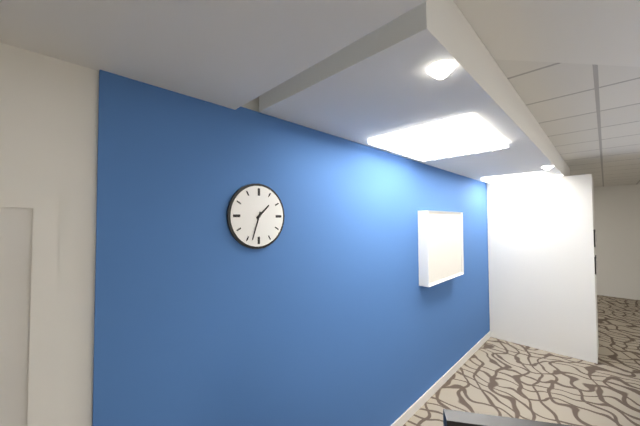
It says 1:33
